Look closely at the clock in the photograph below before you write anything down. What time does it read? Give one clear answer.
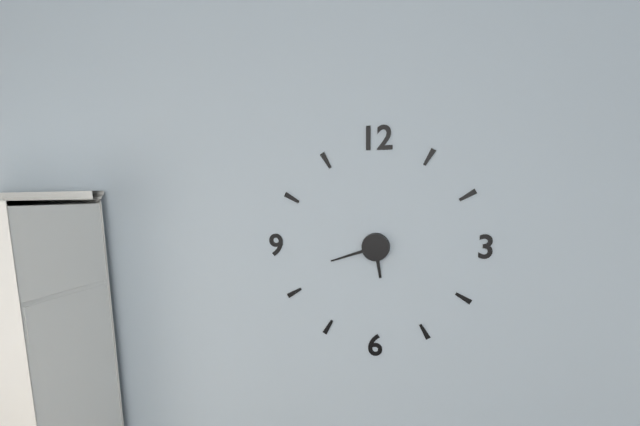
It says 5:42
